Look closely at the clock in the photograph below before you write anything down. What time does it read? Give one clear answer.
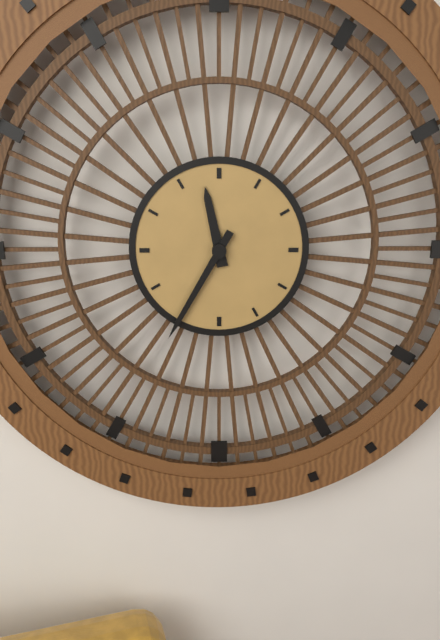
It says 11:35
